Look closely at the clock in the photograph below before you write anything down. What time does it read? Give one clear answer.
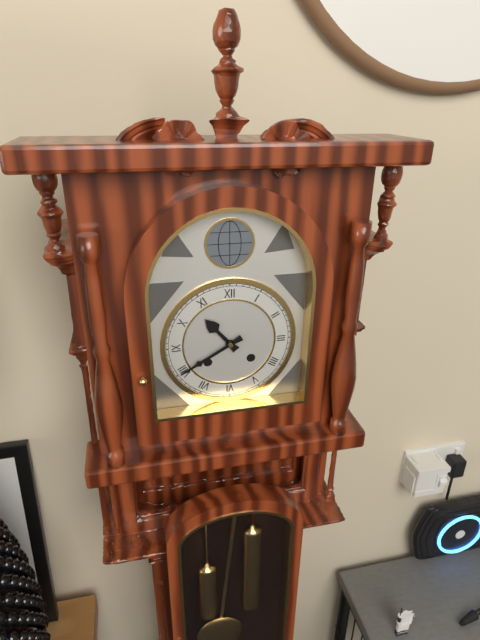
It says 10:40
